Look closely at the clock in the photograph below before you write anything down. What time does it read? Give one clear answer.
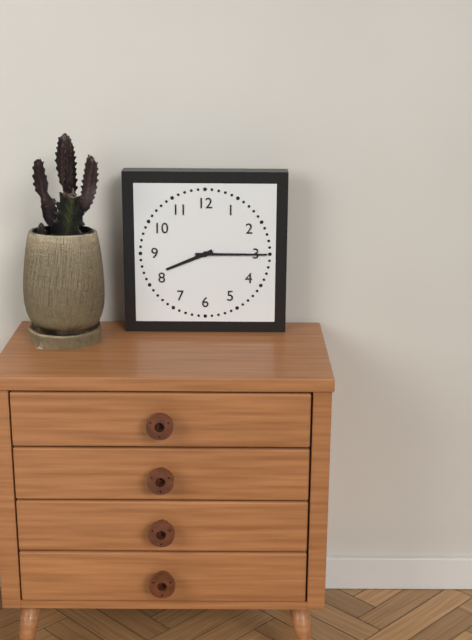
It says 8:15
